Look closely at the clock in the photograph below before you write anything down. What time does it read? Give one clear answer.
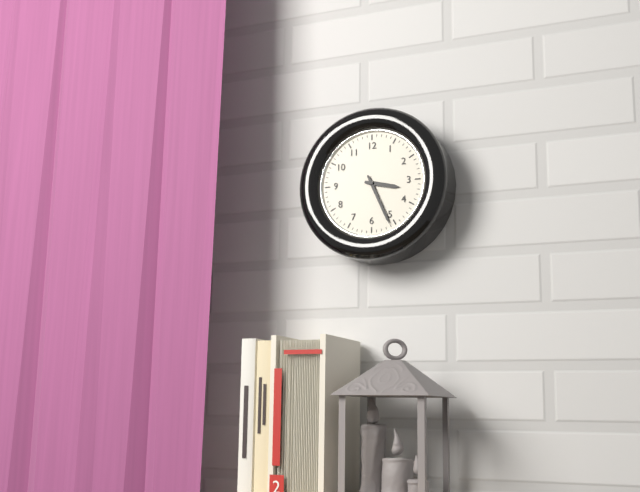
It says 3:26
